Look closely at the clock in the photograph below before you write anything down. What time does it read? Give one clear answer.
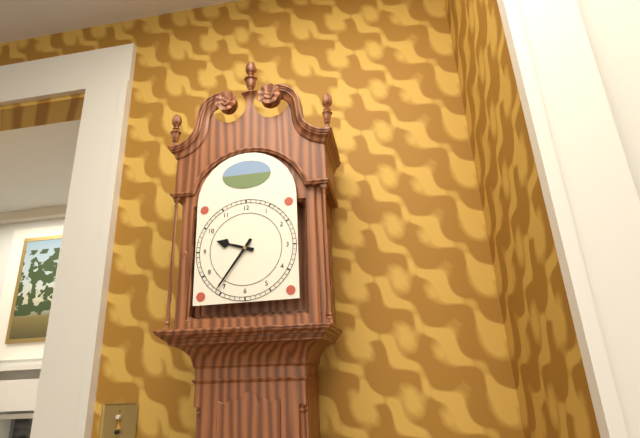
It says 9:36
